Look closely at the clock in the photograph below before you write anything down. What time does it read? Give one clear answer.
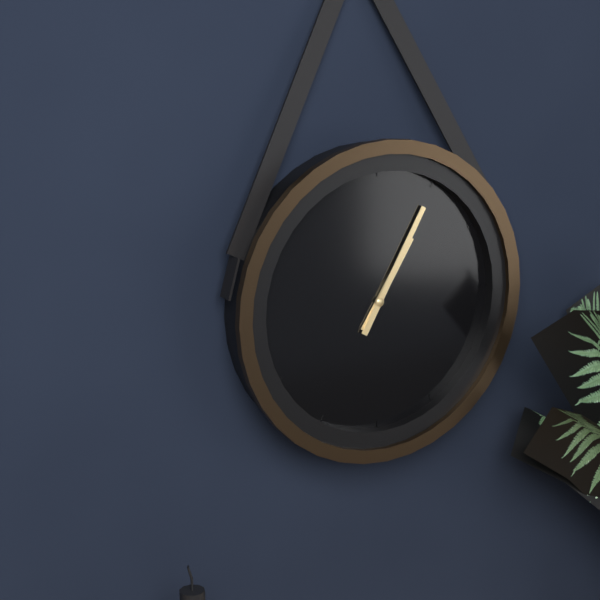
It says 1:05
